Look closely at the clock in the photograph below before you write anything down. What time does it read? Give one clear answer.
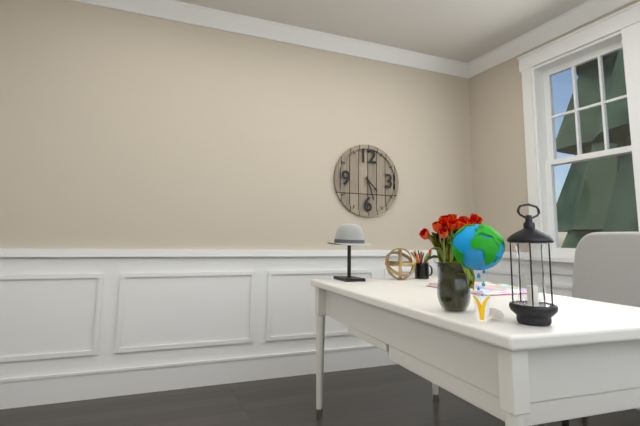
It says 4:27
